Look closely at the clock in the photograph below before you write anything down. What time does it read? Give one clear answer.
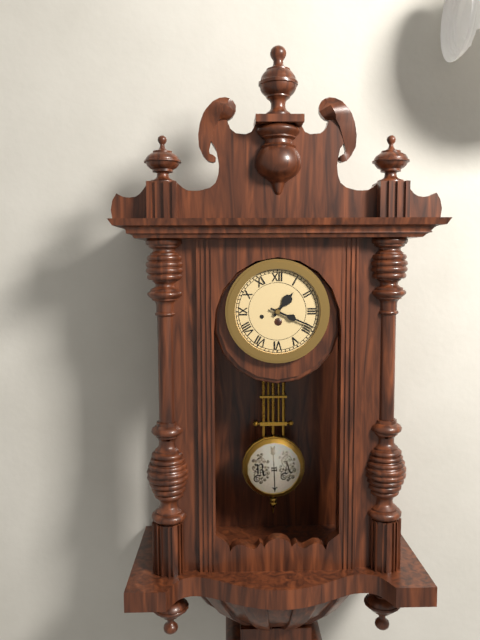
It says 1:19
